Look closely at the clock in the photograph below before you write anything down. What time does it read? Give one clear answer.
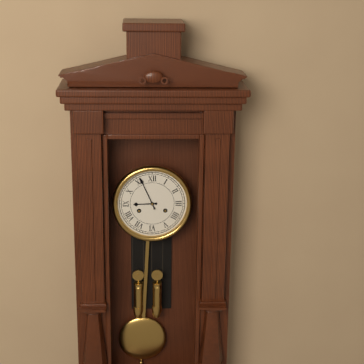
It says 8:56
